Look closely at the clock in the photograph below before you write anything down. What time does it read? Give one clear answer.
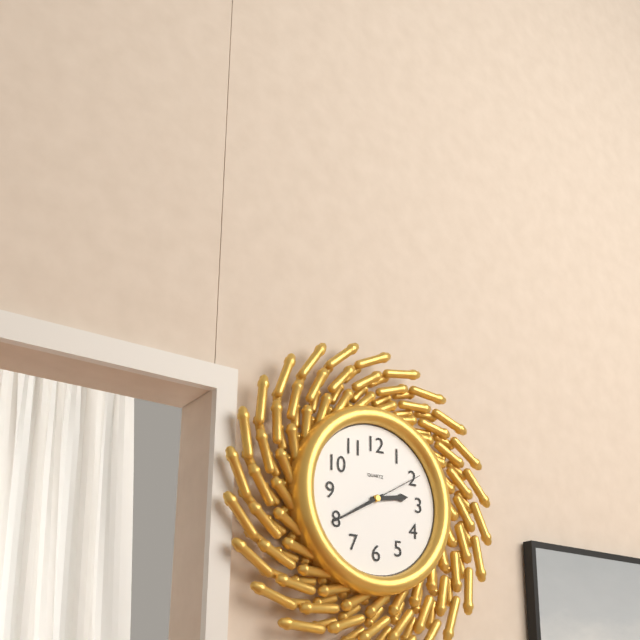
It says 2:40:10
